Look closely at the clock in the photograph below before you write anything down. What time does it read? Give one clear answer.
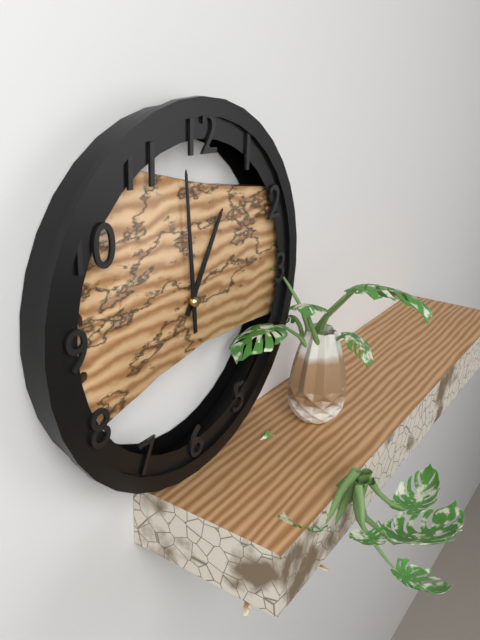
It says 12:59
